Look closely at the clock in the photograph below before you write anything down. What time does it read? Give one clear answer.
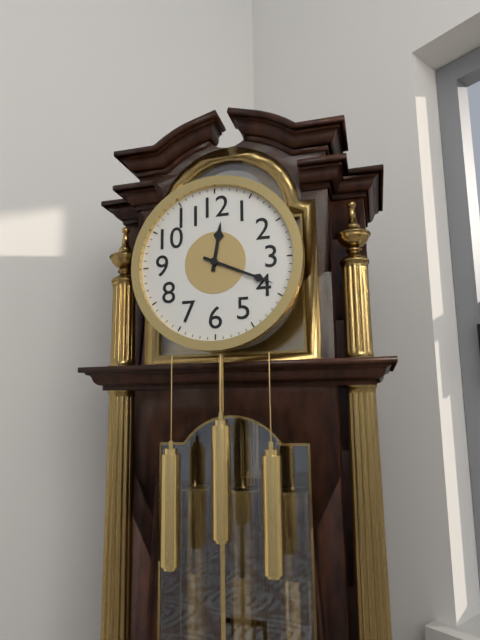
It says 12:19
